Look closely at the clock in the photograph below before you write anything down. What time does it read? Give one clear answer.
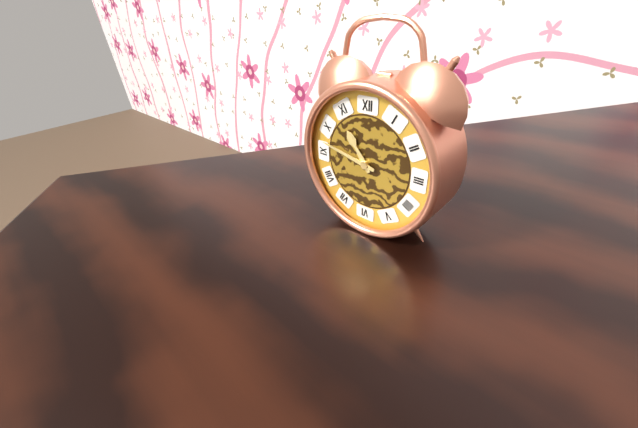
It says 10:47
